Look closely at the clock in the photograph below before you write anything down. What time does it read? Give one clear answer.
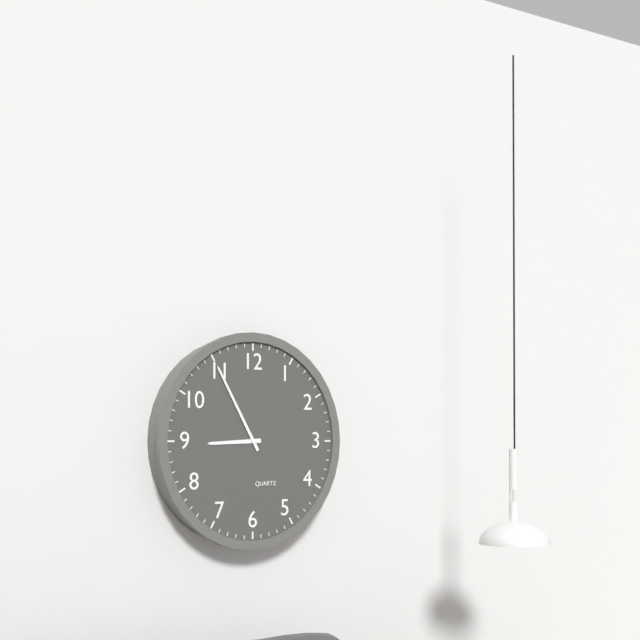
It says 8:55
